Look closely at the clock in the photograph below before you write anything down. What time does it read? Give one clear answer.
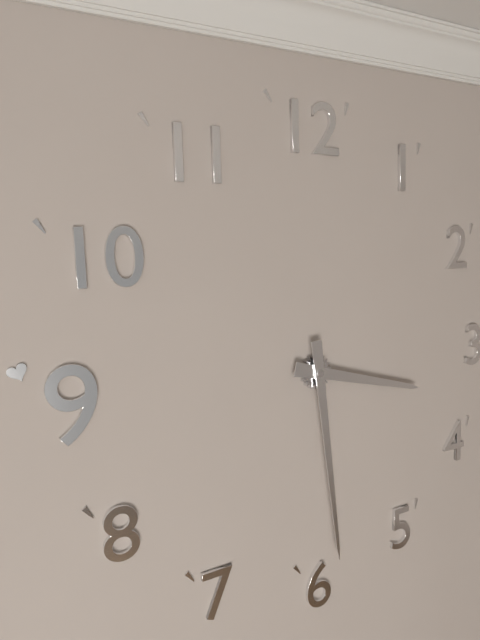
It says 3:29
